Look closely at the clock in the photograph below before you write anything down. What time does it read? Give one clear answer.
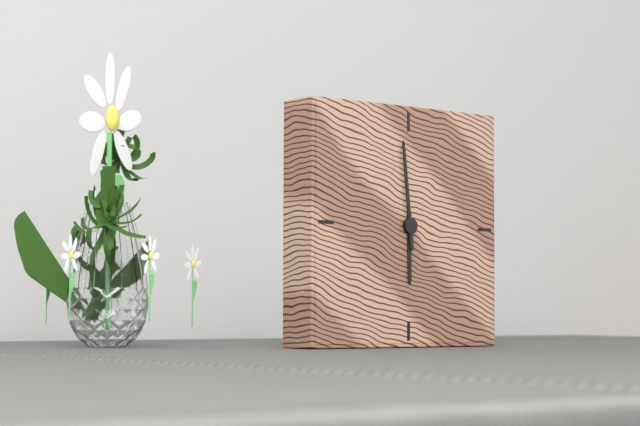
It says 5:59
